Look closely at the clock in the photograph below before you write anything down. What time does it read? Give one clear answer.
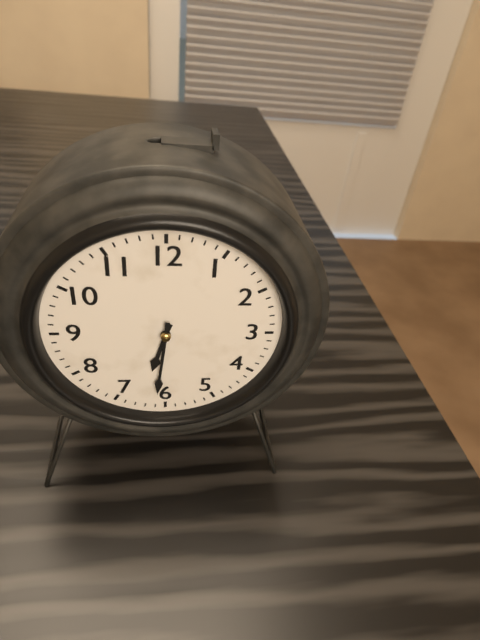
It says 6:31
